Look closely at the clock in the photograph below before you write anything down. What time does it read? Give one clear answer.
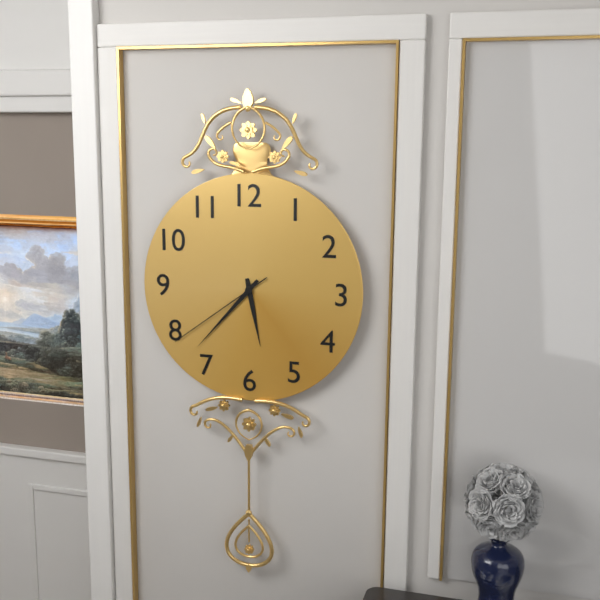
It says 5:37:39
